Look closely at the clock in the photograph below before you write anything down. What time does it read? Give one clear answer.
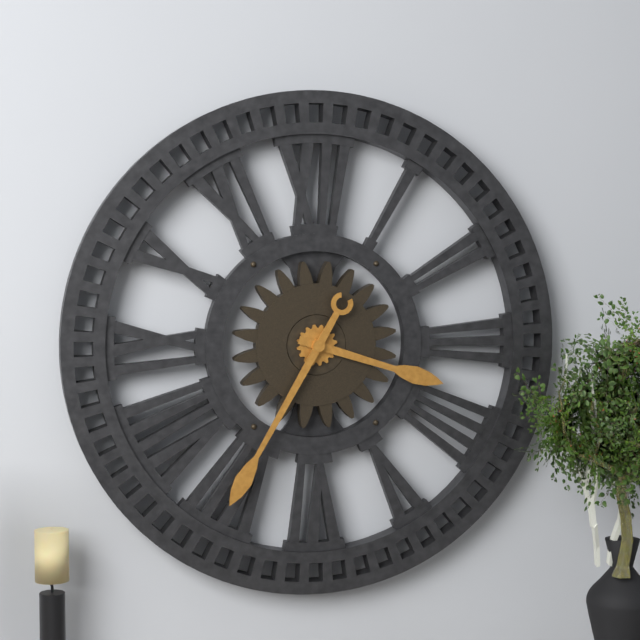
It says 3:35
